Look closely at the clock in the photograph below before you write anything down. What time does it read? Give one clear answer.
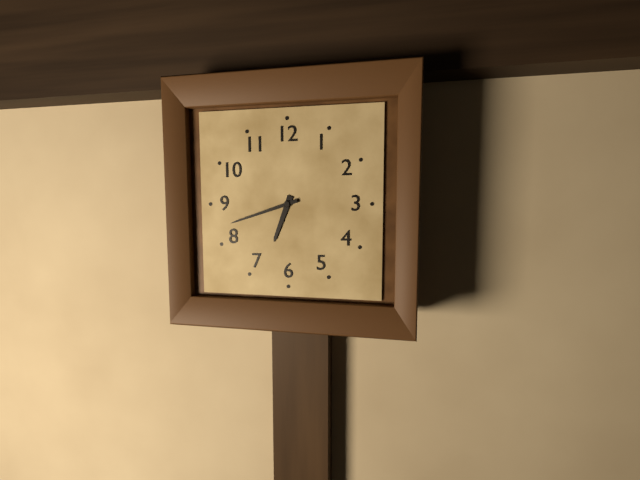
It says 6:42
